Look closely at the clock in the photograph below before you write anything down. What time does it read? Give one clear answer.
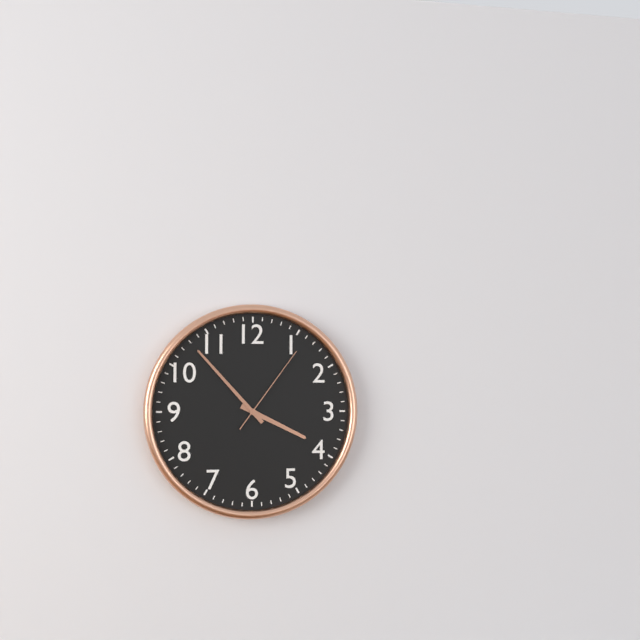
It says 3:53:06
